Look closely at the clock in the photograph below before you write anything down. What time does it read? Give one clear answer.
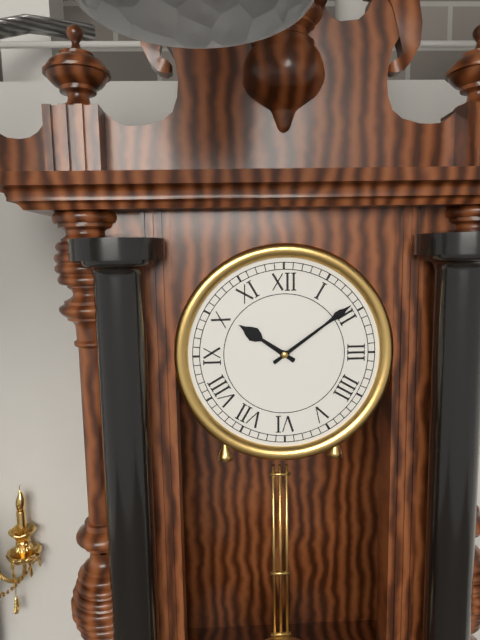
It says 10:09
